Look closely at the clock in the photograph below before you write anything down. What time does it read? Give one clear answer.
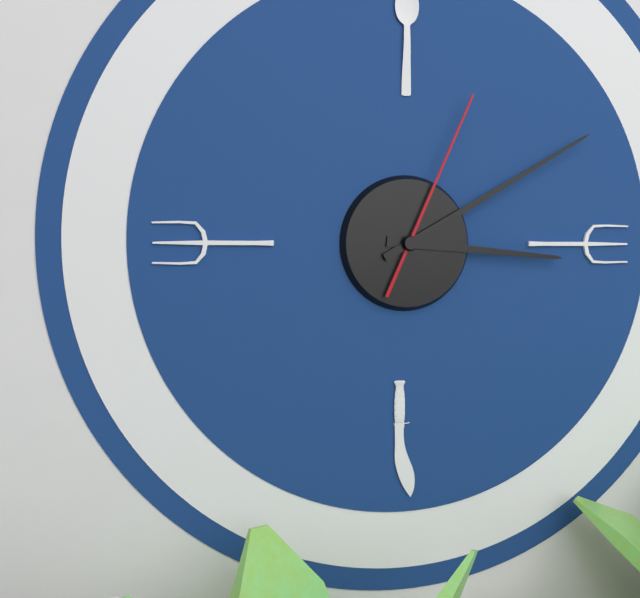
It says 3:10:04
